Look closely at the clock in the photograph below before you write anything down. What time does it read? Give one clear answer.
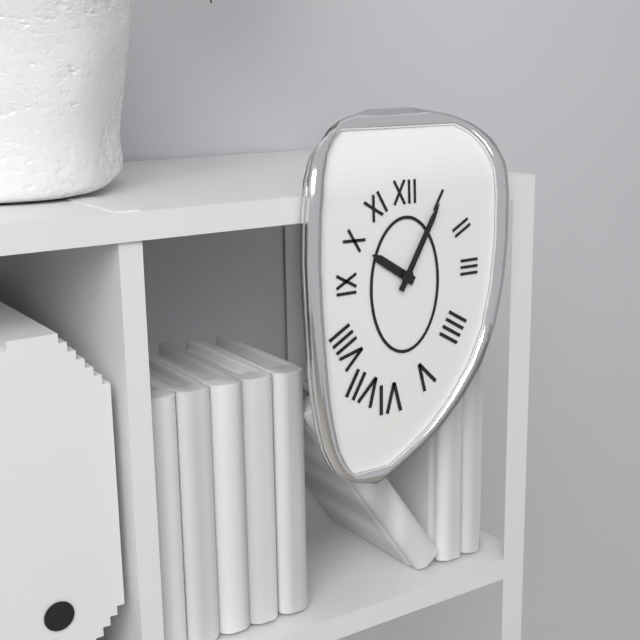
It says 10:05
